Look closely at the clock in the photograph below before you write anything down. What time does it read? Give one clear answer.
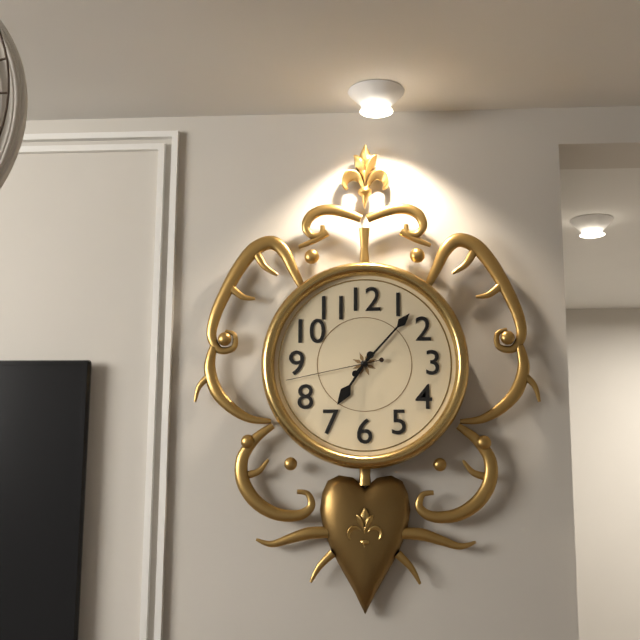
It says 7:07:43
